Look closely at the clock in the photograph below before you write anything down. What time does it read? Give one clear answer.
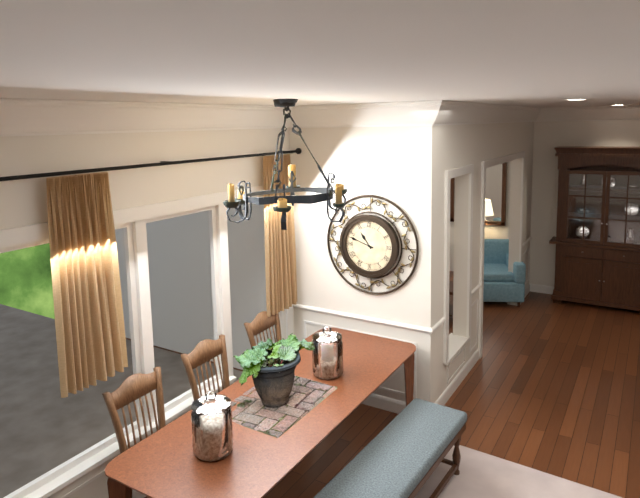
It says 10:48
